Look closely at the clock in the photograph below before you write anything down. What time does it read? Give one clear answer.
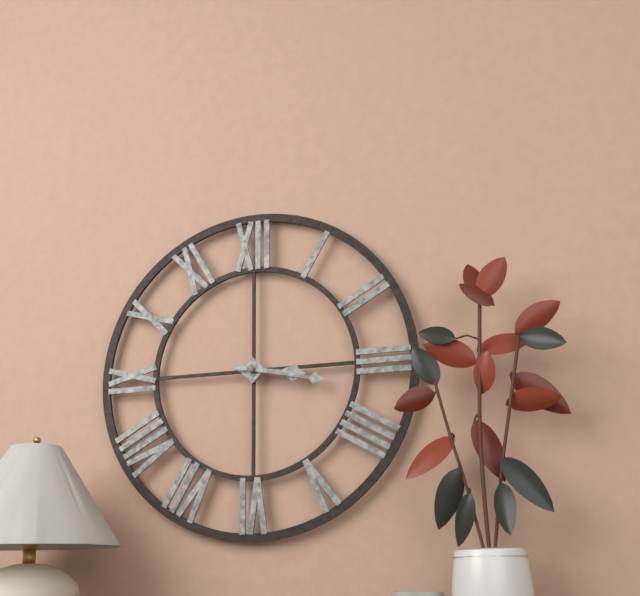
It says 3:17
